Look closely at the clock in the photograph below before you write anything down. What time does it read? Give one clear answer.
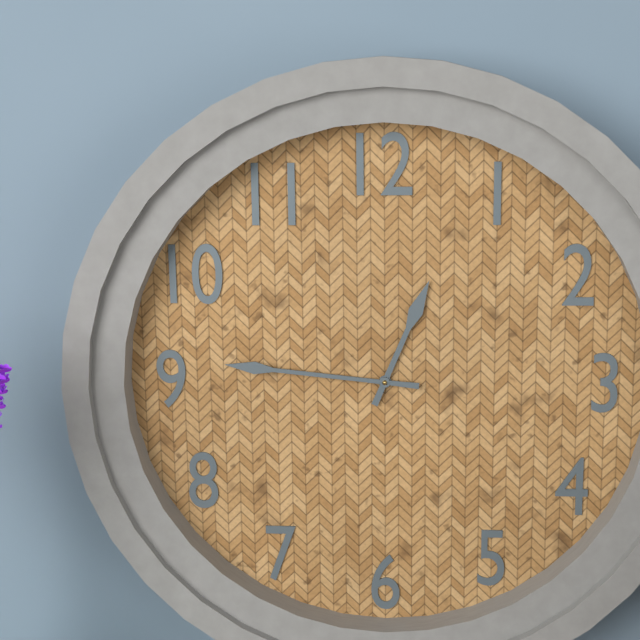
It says 12:46
